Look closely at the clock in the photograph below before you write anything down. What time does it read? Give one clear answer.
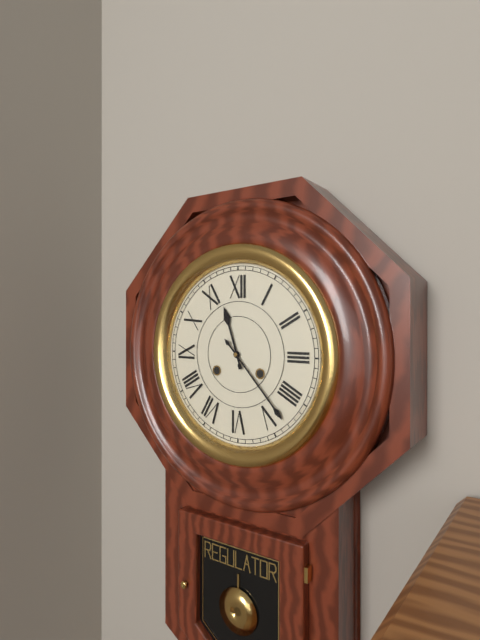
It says 11:23
